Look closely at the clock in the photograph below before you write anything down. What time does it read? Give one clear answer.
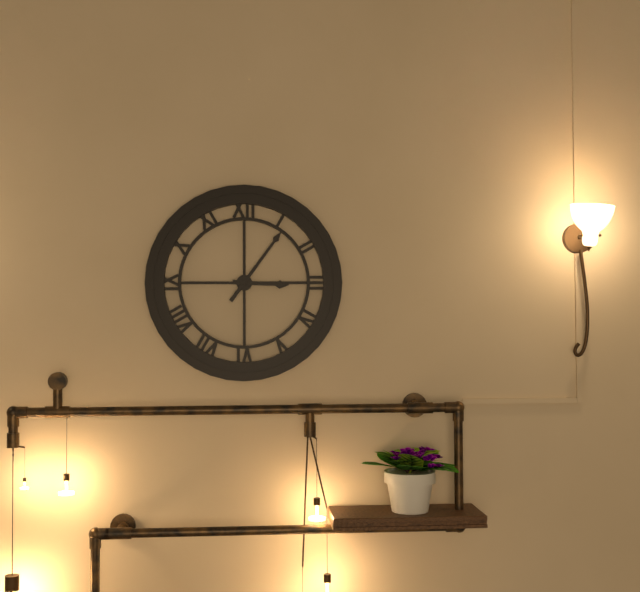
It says 3:06
